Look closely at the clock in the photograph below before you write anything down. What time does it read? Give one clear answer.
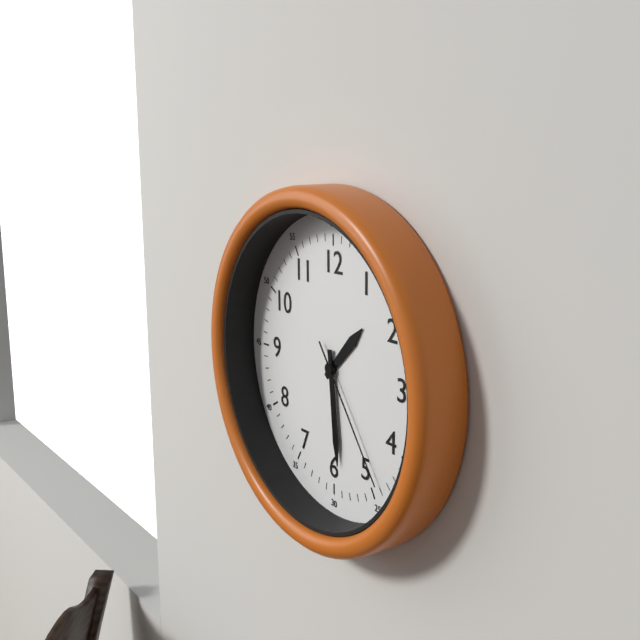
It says 1:29:24
